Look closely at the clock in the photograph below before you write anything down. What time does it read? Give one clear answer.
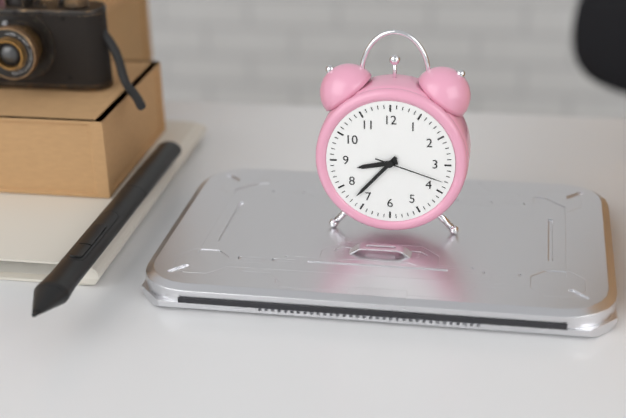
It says 8:37:18
